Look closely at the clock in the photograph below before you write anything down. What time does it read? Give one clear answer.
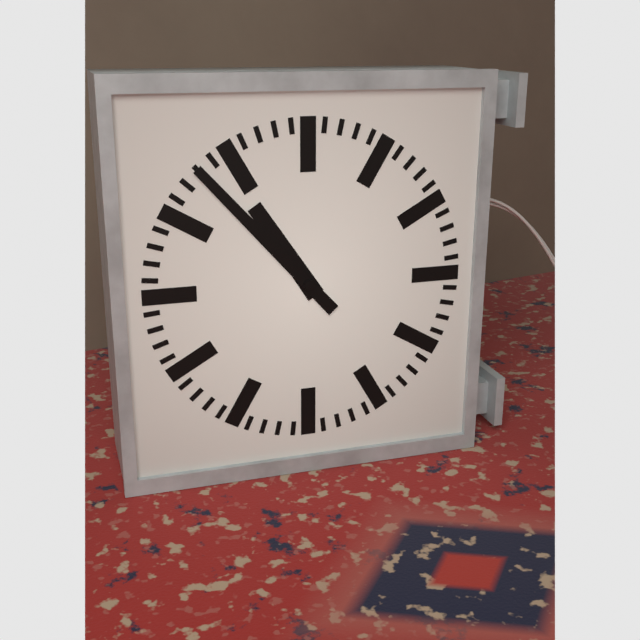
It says 10:53
